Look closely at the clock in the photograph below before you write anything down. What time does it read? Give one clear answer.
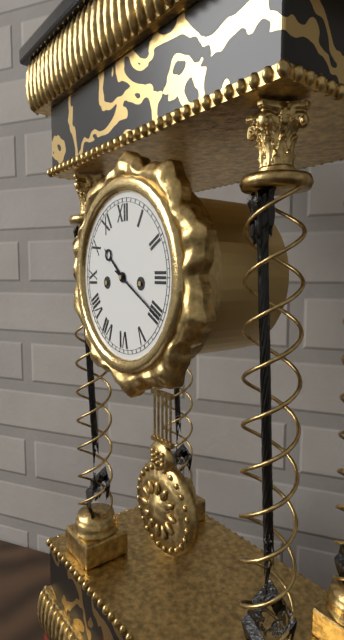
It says 10:20
